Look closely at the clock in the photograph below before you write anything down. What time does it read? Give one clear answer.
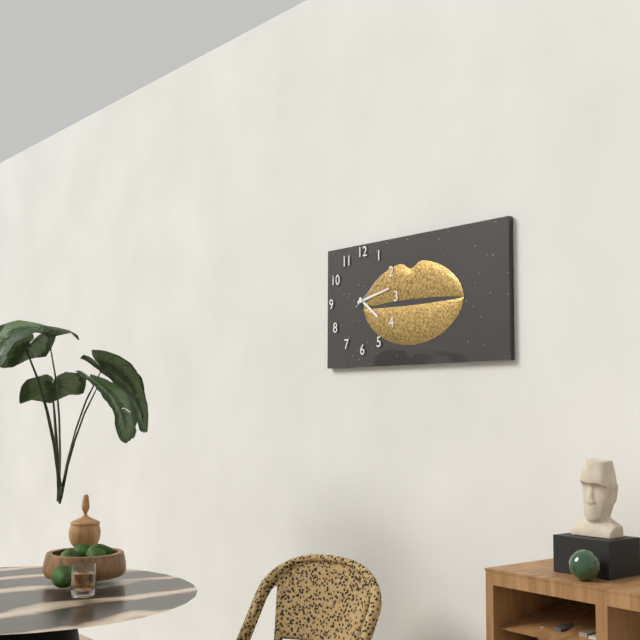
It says 4:13
